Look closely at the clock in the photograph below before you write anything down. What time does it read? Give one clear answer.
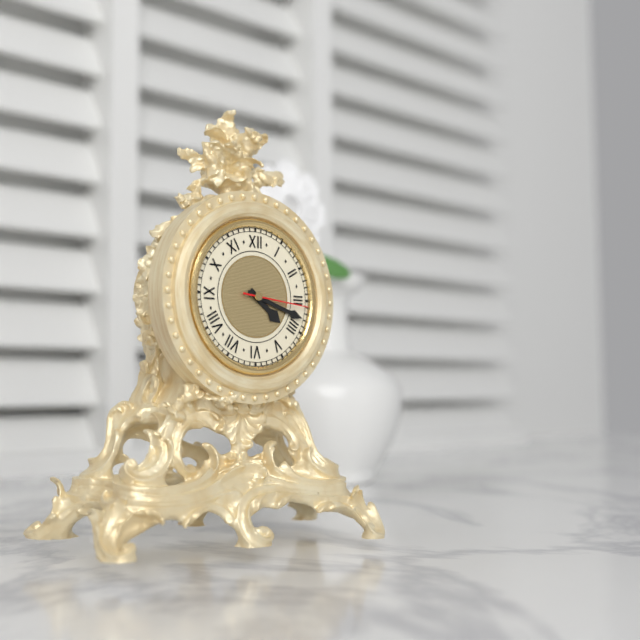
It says 4:18:16
